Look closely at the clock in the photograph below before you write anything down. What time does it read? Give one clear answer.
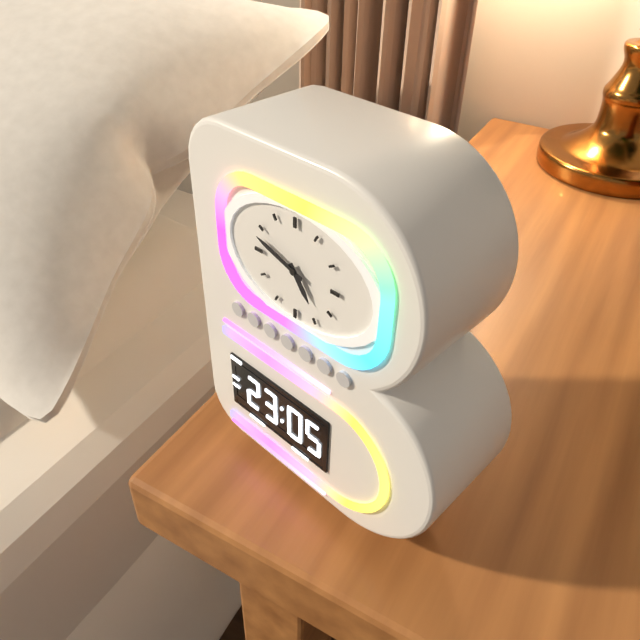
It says 4:48
